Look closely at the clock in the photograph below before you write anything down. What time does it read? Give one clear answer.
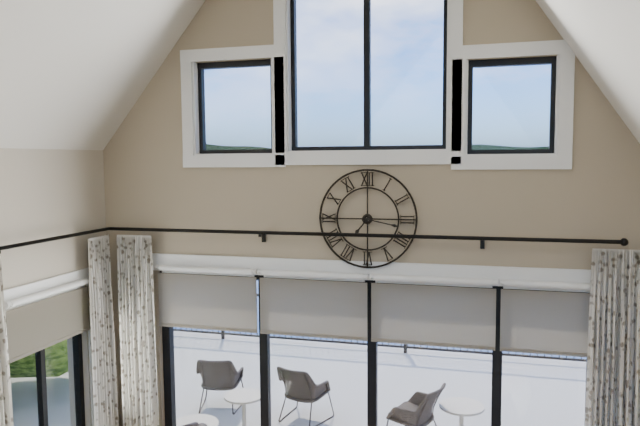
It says 7:17
